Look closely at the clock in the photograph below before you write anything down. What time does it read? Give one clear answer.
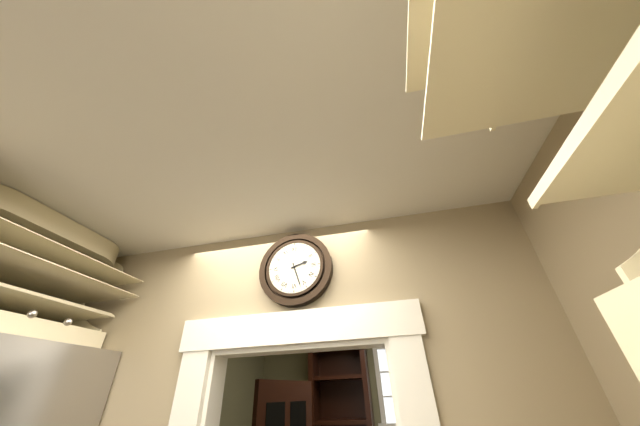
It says 2:27
